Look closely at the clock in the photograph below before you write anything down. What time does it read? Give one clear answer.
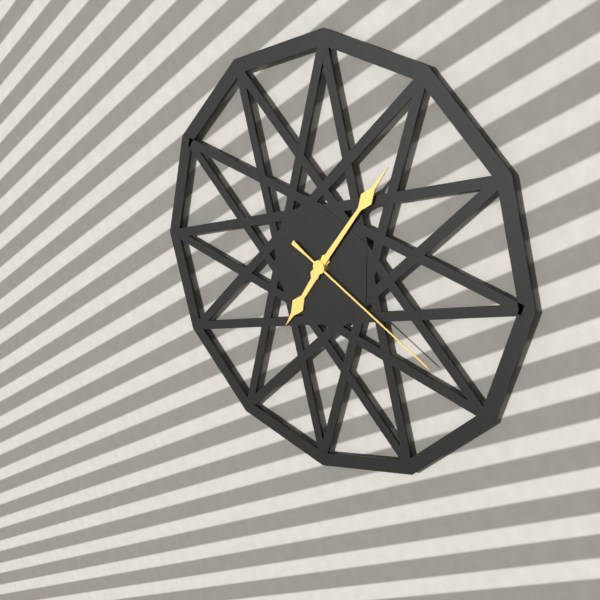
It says 7:06:20
